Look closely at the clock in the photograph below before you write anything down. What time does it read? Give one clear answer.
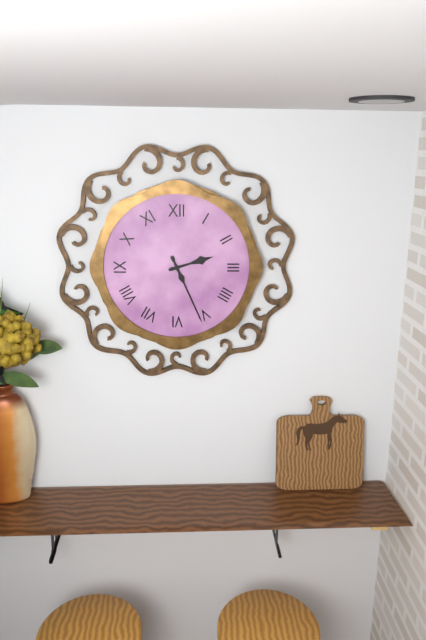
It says 2:26
